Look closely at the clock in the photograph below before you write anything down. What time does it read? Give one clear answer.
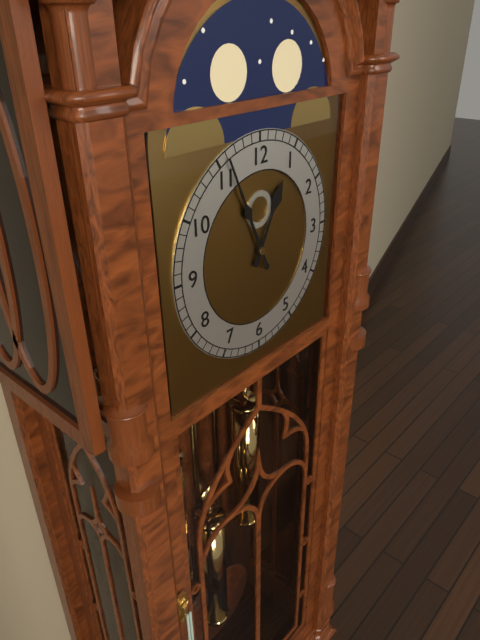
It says 12:56
